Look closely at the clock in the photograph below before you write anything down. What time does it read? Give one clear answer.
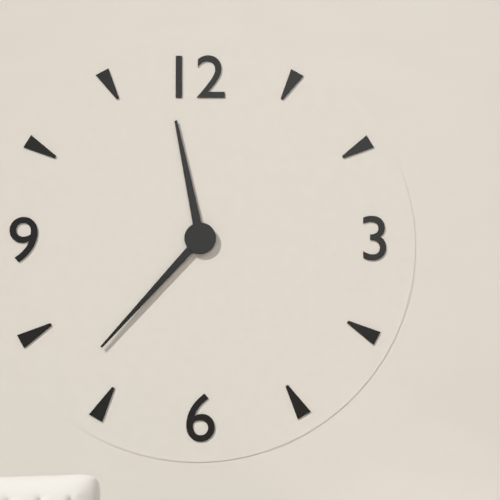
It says 11:37
